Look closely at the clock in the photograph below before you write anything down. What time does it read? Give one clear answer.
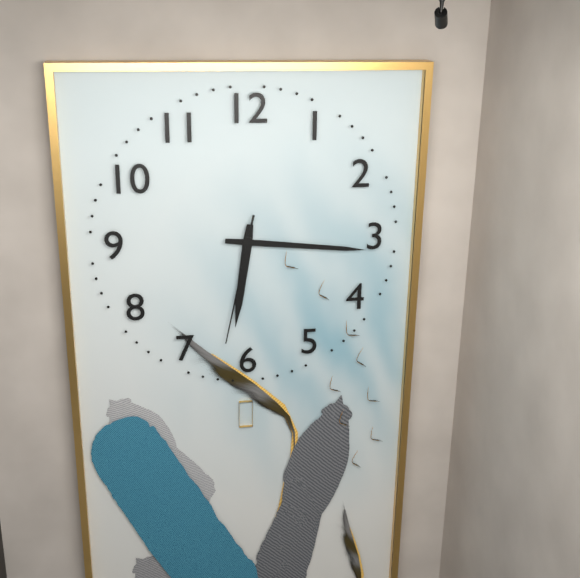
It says 6:16:32
